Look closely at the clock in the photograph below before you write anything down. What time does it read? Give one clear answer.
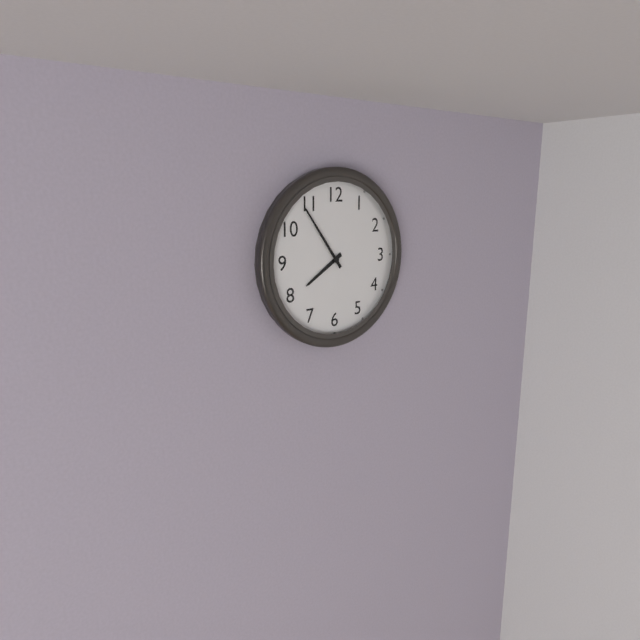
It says 7:54
